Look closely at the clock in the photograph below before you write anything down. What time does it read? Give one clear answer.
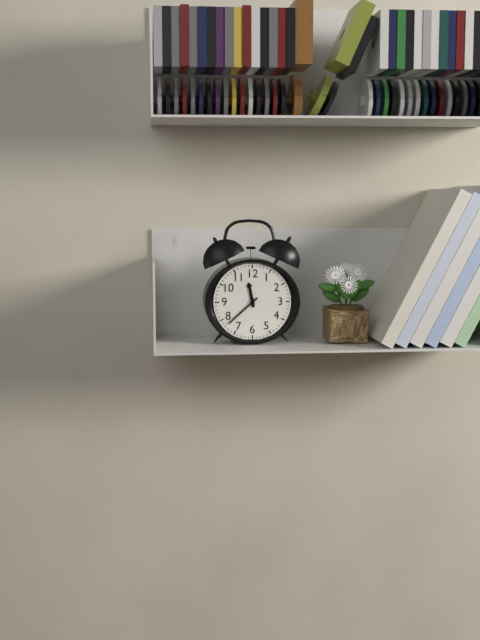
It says 11:38
